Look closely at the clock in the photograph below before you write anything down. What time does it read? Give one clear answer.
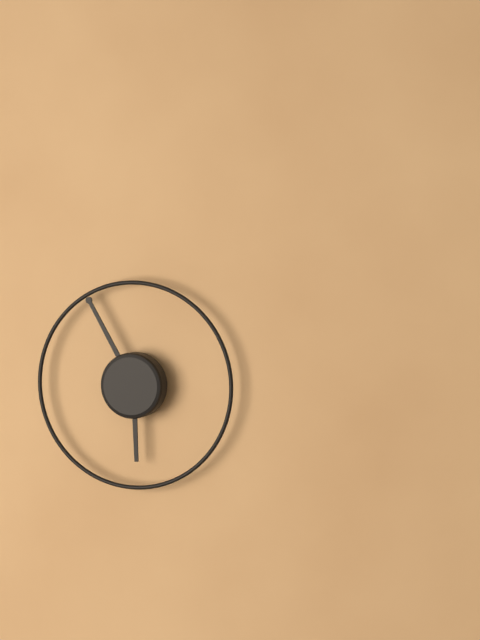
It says 5:55
